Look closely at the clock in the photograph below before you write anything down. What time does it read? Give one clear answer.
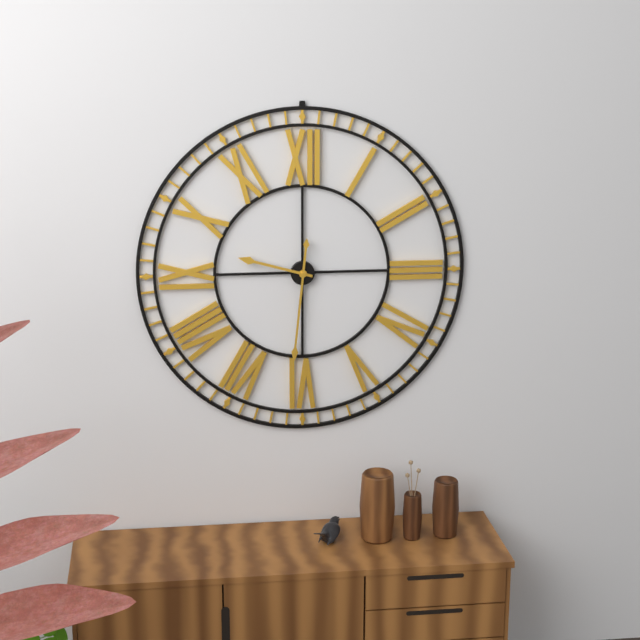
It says 9:31
